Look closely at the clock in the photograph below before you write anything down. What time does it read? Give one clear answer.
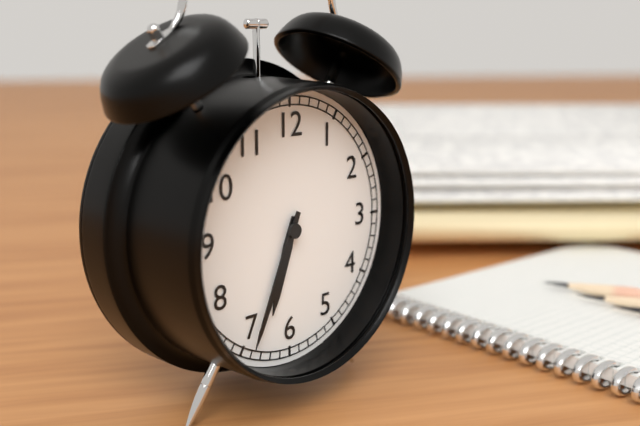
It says 6:34
